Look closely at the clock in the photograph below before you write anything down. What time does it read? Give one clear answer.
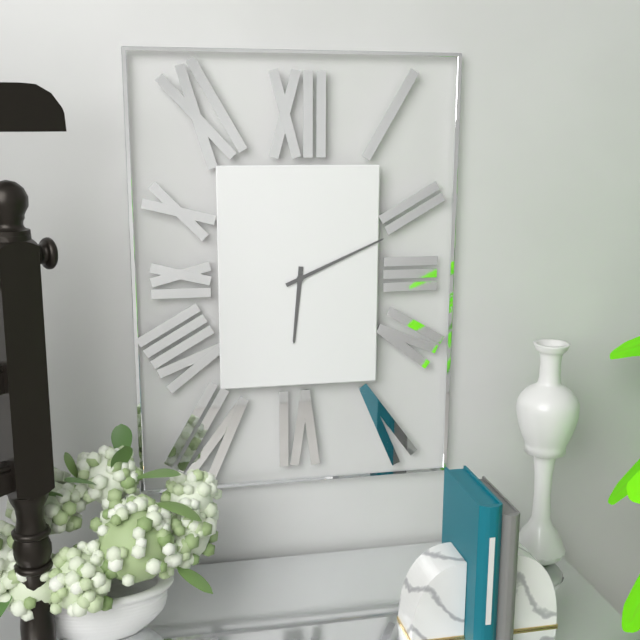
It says 6:11
